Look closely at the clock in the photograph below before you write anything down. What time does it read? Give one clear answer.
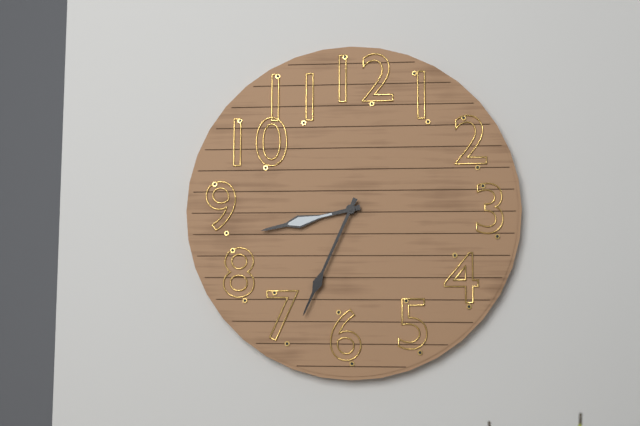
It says 8:34
